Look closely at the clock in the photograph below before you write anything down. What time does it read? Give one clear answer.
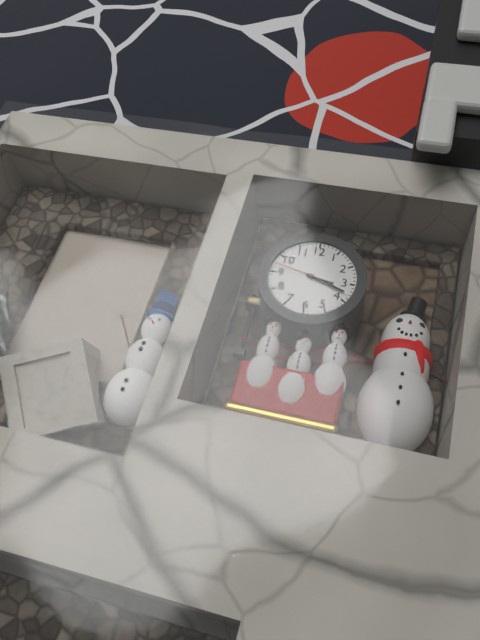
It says 3:18
